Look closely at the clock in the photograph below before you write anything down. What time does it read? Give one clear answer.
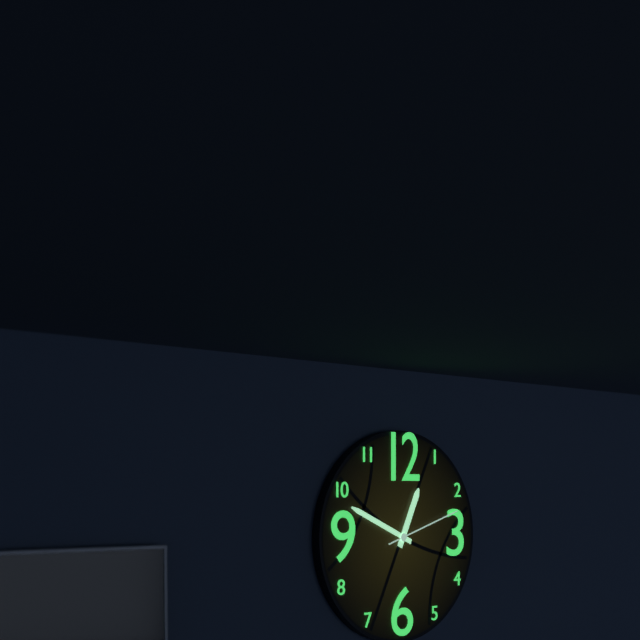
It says 12:49:12
